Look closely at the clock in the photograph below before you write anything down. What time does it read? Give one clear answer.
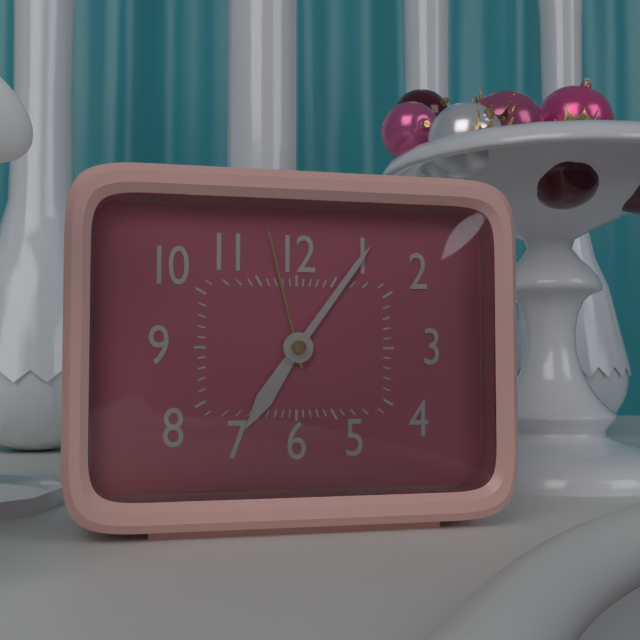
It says 7:06
